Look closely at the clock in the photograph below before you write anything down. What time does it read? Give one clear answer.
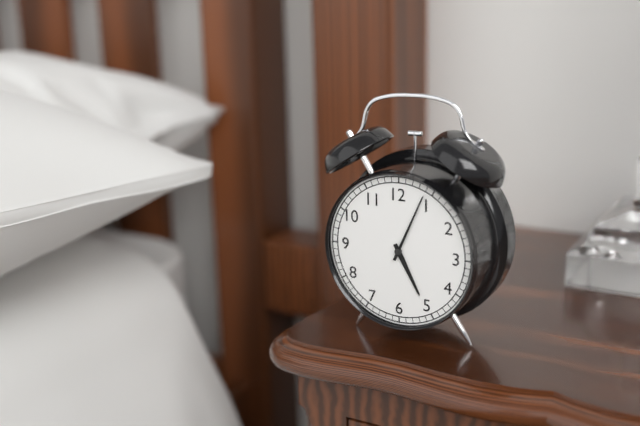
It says 5:04
